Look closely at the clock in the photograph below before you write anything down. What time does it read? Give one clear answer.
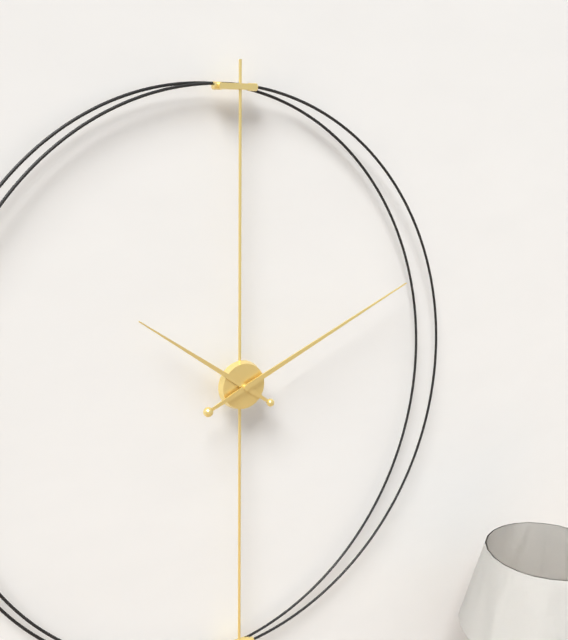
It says 10:11
